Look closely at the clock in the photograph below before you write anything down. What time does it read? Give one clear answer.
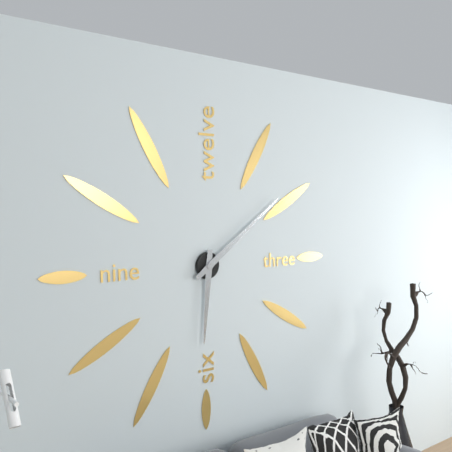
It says 6:09
